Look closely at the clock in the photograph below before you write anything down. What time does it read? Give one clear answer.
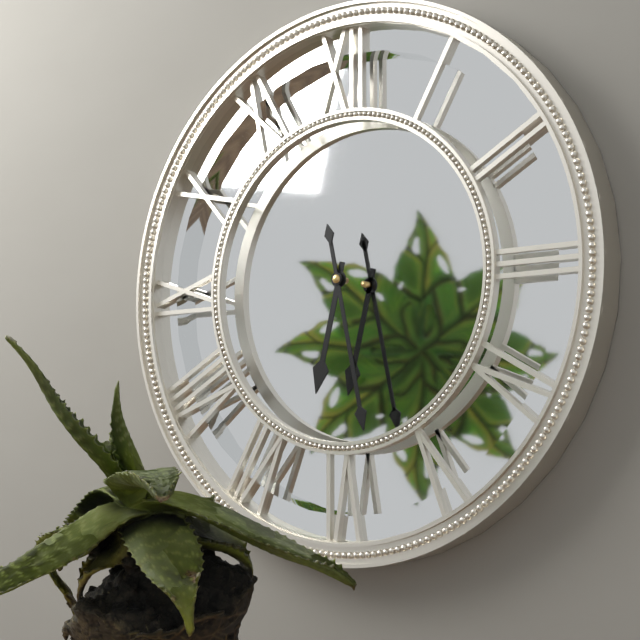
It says 6:28
